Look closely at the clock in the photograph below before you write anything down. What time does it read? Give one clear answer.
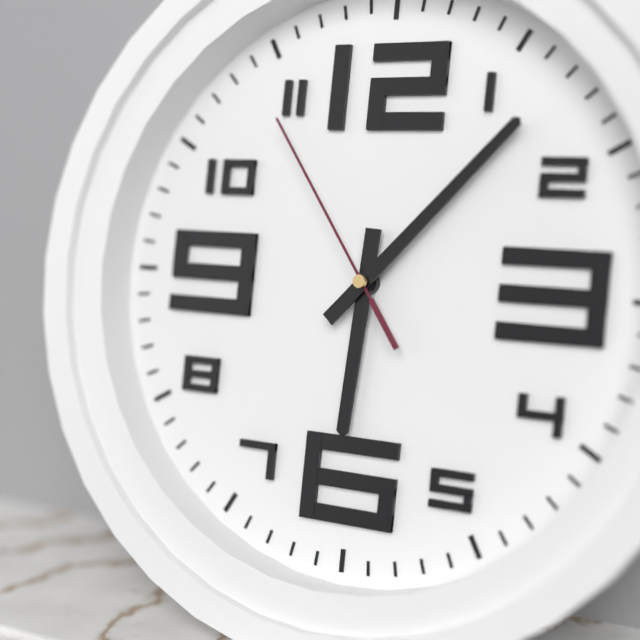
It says 6:07:54
